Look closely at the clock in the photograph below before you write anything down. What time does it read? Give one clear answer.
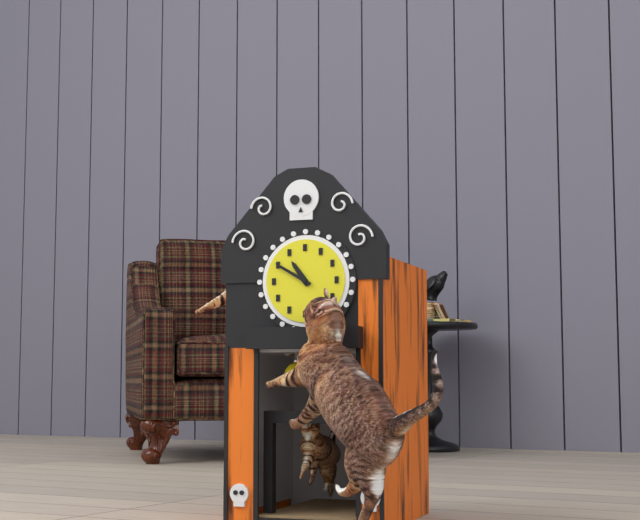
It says 10:50
